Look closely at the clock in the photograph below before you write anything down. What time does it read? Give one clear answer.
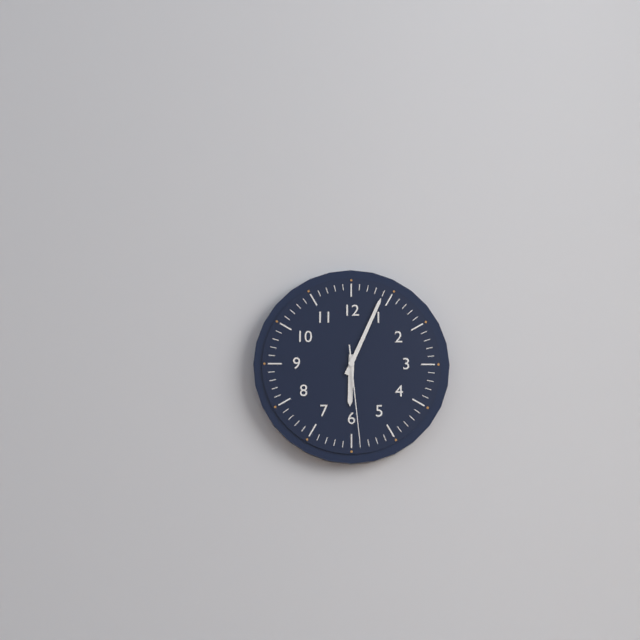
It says 6:04:29
